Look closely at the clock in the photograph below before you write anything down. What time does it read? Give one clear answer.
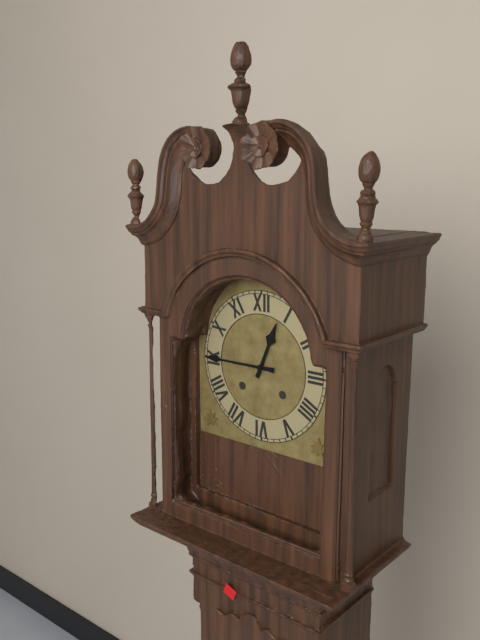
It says 12:45
